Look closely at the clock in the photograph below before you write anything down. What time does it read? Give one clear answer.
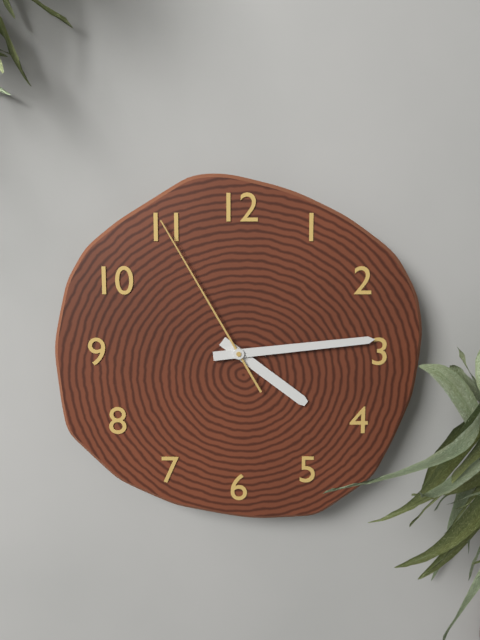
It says 4:14:55
